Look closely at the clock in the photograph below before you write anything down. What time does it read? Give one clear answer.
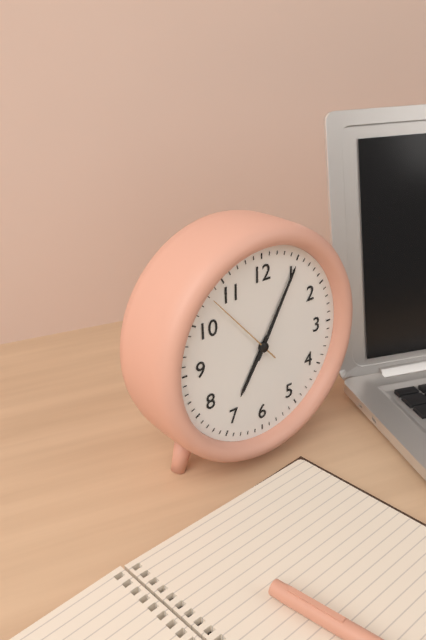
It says 7:05:53
